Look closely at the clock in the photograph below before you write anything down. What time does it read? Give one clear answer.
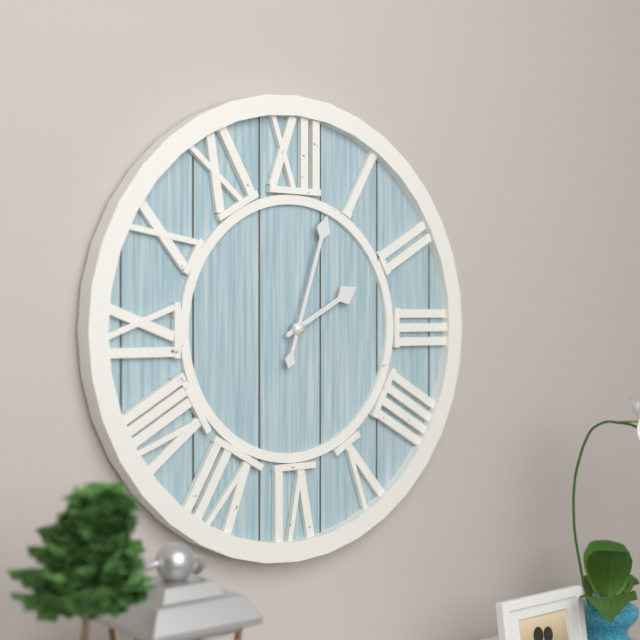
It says 2:03
